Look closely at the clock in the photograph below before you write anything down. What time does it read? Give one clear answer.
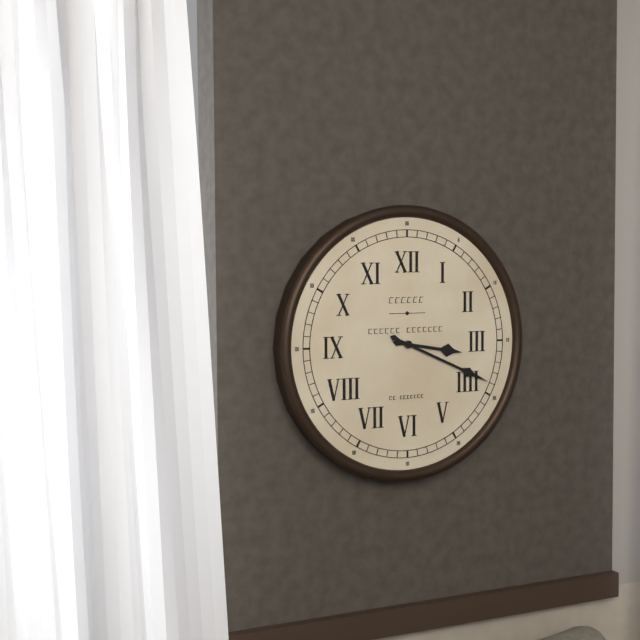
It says 3:19
